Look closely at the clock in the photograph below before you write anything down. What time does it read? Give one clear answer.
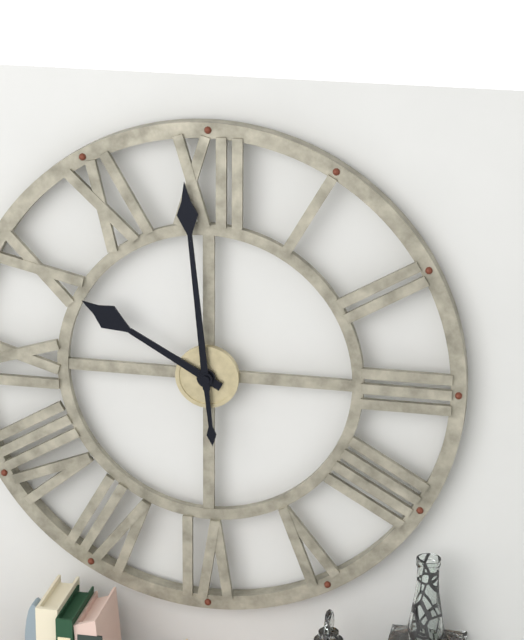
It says 9:59
